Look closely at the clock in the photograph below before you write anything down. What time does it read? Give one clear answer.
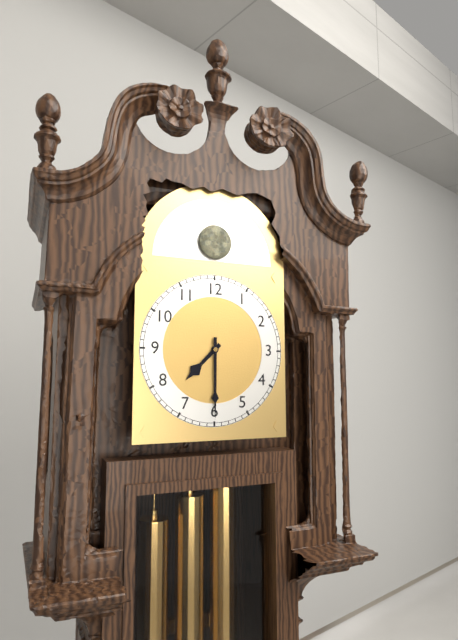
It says 7:30
